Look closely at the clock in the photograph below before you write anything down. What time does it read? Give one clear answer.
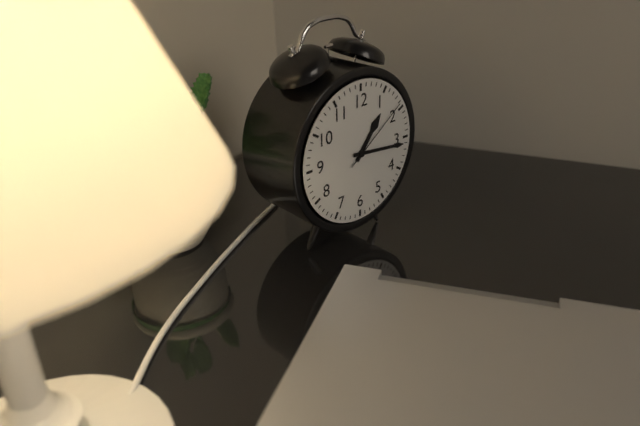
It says 1:16:09
